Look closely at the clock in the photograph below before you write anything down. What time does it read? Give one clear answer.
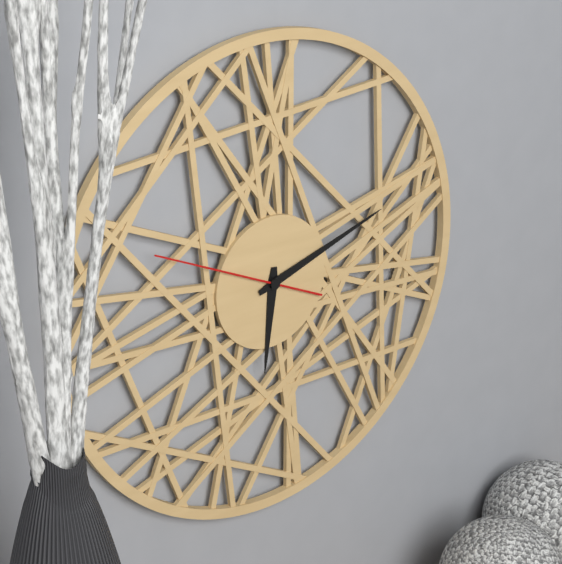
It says 6:12:49
